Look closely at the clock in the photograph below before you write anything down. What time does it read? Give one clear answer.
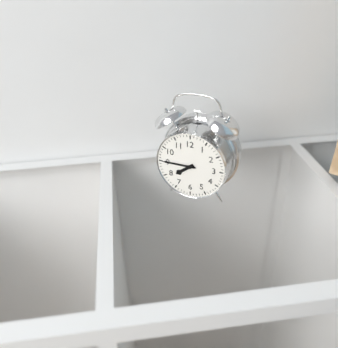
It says 7:45
